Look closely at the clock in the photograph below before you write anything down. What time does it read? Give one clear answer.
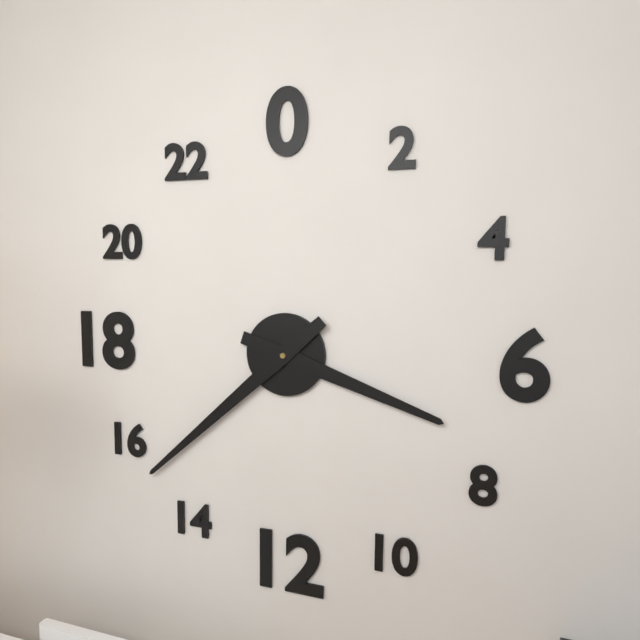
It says 3:38
